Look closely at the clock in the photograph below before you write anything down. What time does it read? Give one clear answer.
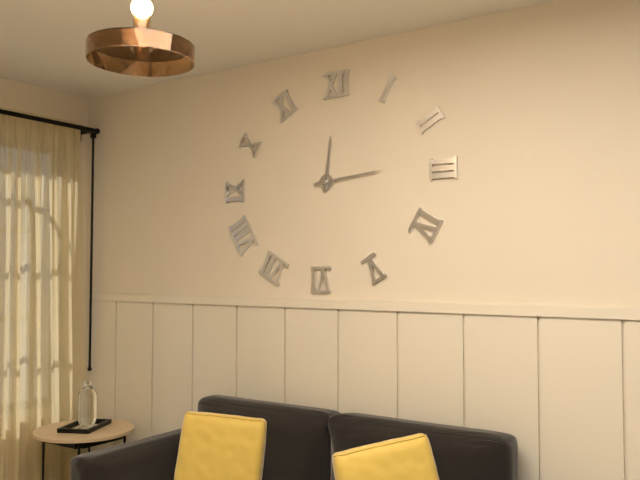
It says 12:14
